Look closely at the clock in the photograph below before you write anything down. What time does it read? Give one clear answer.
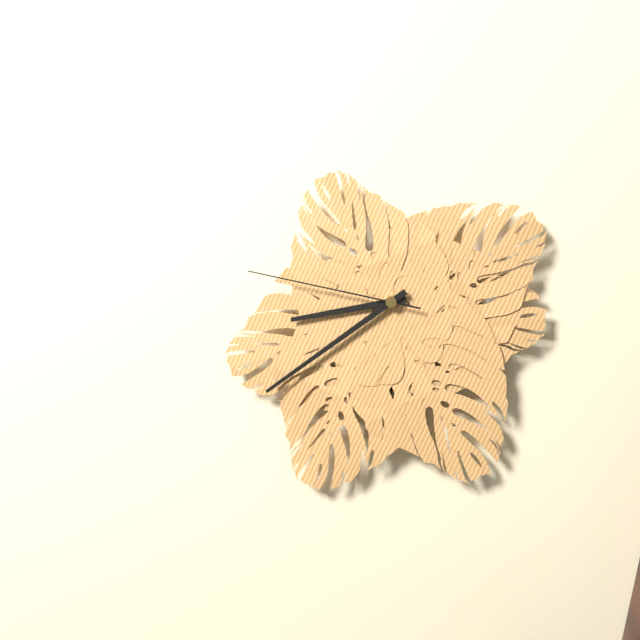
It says 8:39:47
